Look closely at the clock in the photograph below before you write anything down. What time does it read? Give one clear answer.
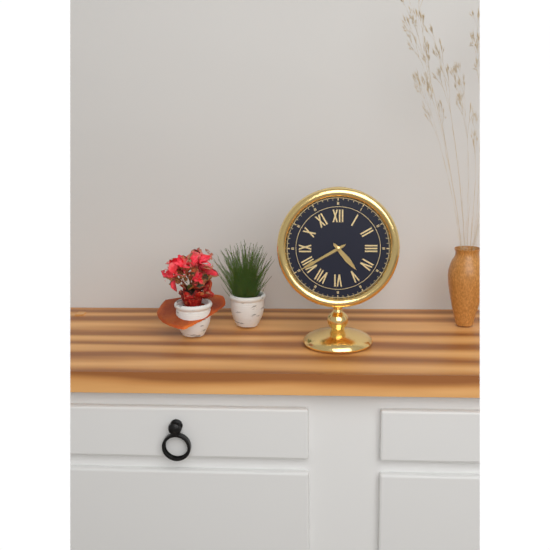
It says 4:40
